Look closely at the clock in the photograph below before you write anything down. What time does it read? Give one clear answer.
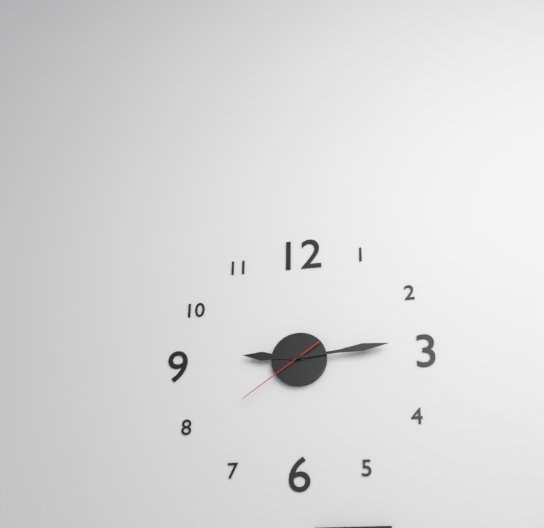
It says 9:14:39
